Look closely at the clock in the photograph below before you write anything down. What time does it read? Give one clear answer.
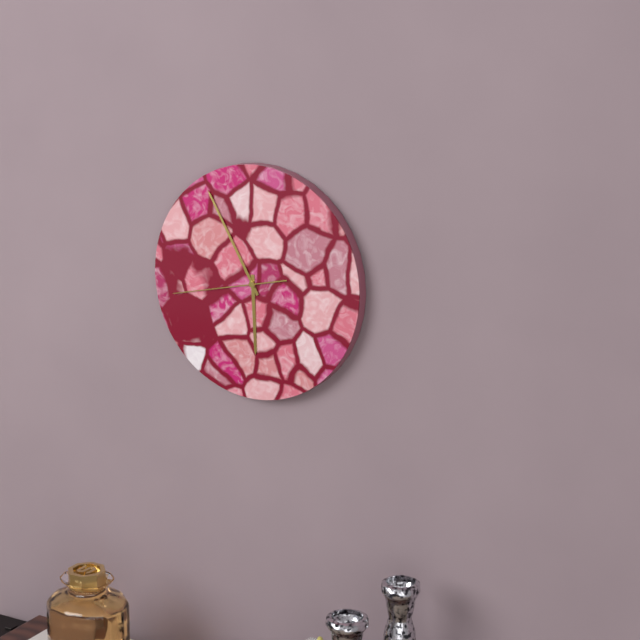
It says 5:55:43
